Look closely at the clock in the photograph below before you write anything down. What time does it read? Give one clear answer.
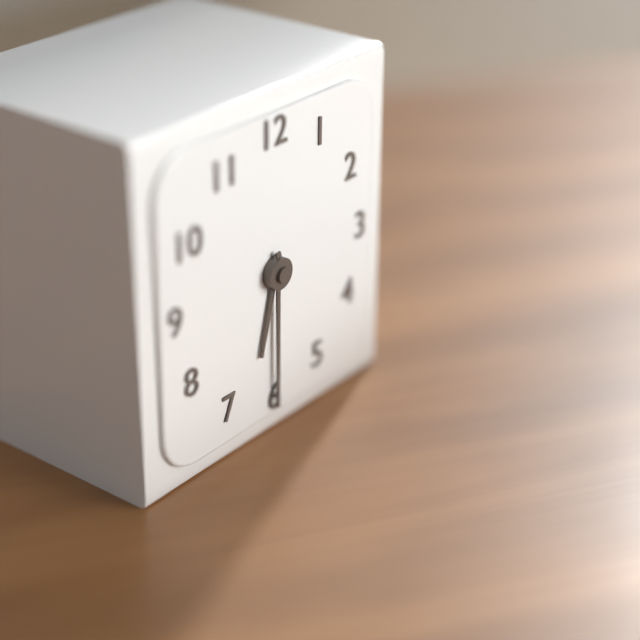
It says 6:30
